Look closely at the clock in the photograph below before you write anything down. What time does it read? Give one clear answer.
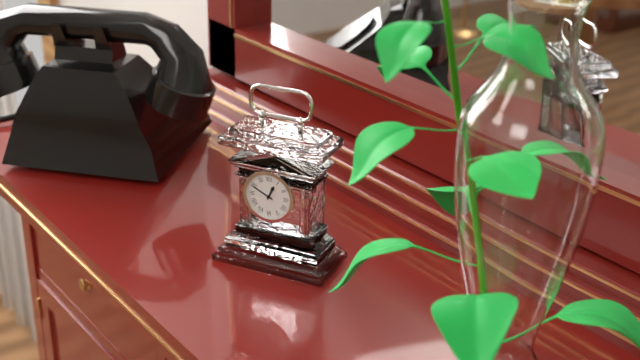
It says 12:49
